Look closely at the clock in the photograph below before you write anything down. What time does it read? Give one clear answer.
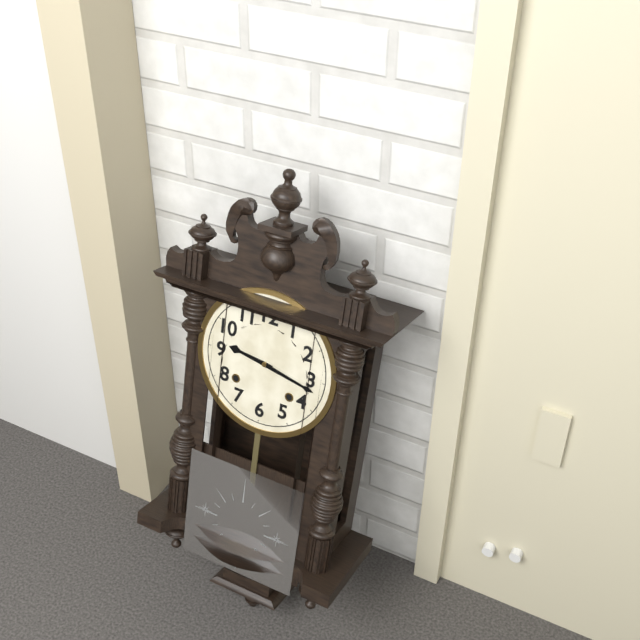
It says 9:17
